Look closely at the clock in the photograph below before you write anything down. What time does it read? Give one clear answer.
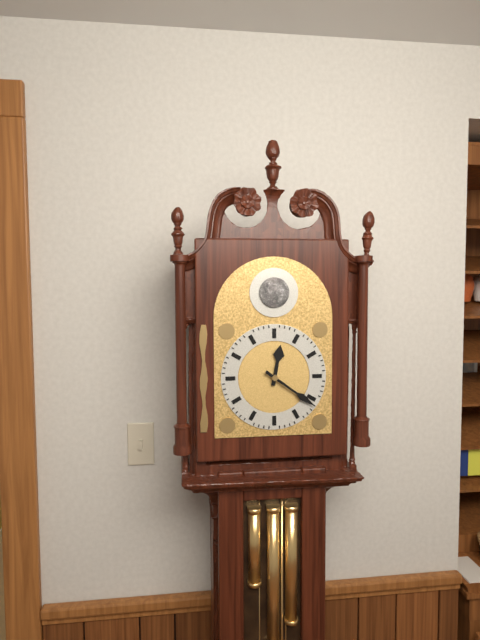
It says 12:21
